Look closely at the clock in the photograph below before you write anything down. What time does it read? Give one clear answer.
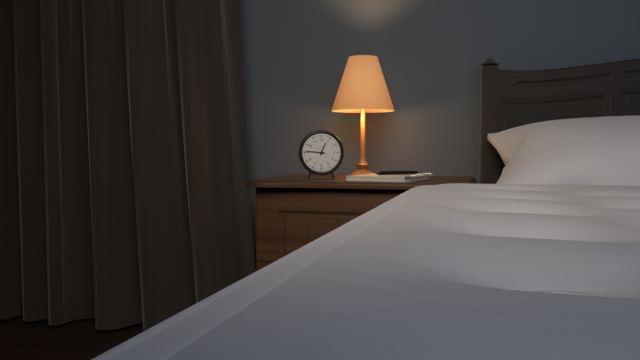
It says 12:46
